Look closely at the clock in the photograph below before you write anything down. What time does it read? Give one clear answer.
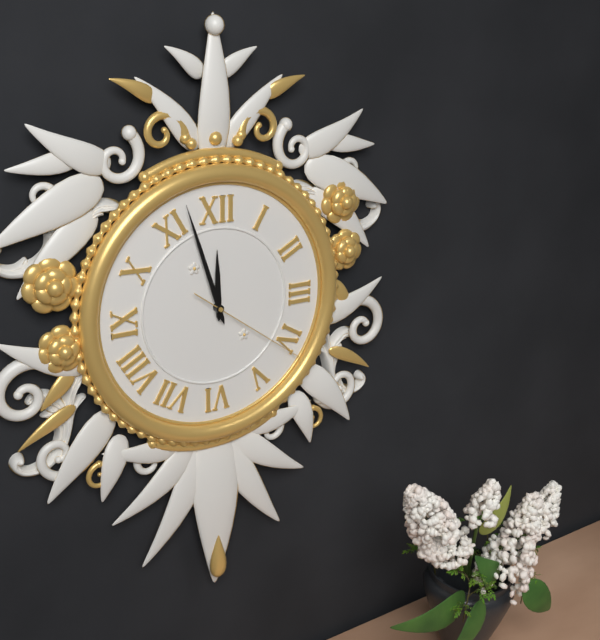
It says 11:57:21
